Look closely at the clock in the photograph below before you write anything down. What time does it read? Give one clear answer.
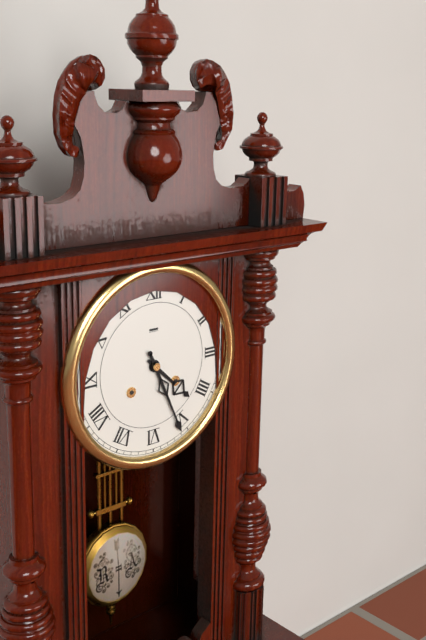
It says 4:26
